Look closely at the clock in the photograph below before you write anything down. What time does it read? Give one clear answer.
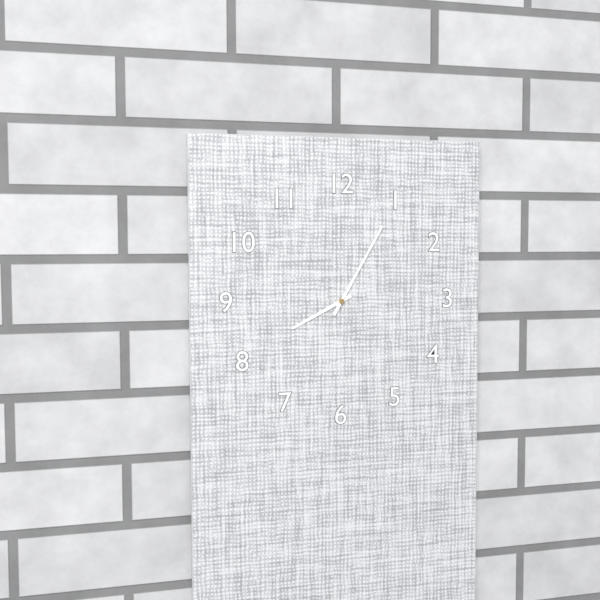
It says 8:05
